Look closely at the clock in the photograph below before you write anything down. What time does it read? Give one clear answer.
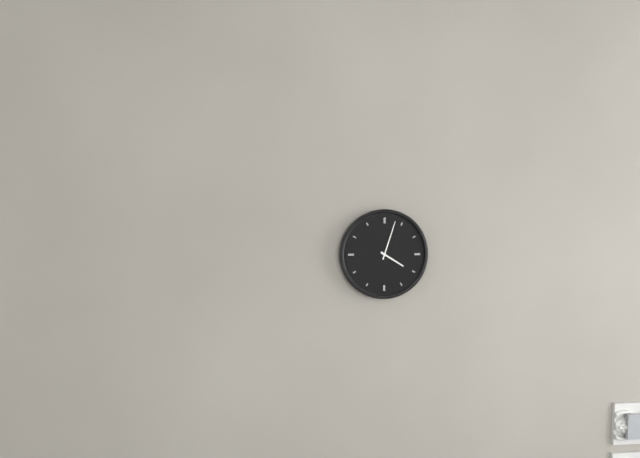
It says 4:03
